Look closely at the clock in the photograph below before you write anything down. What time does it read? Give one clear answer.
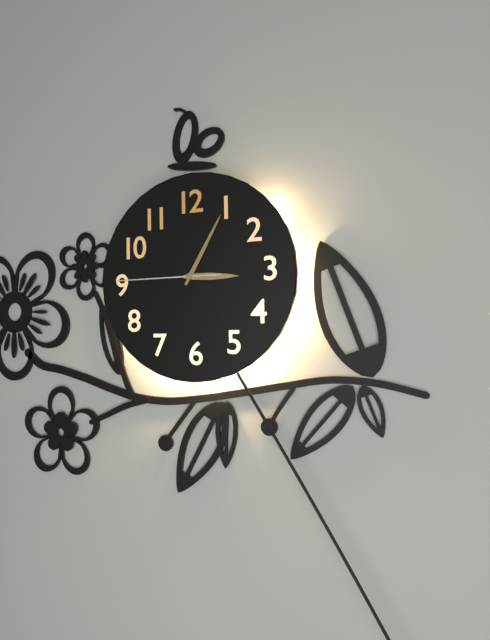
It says 3:05:45
